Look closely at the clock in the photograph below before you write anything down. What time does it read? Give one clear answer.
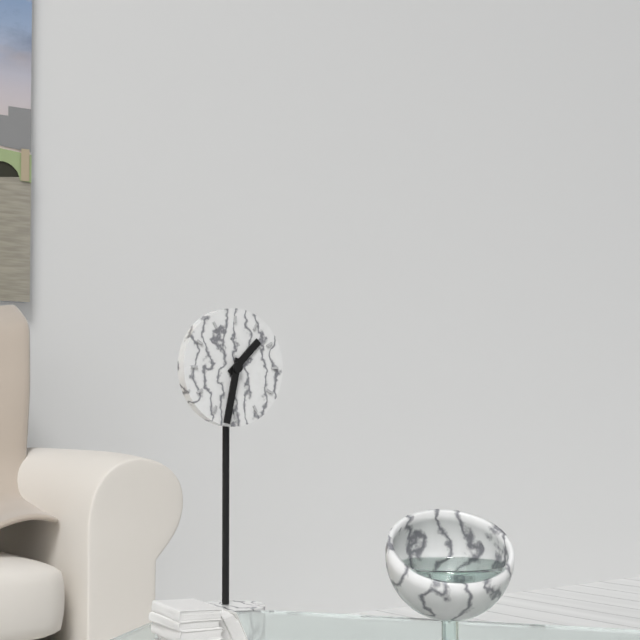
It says 1:32
